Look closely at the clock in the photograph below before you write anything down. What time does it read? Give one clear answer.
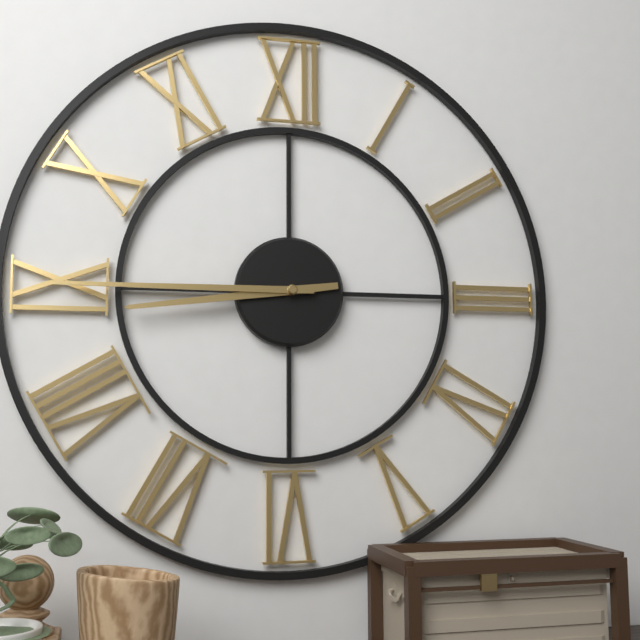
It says 8:45
